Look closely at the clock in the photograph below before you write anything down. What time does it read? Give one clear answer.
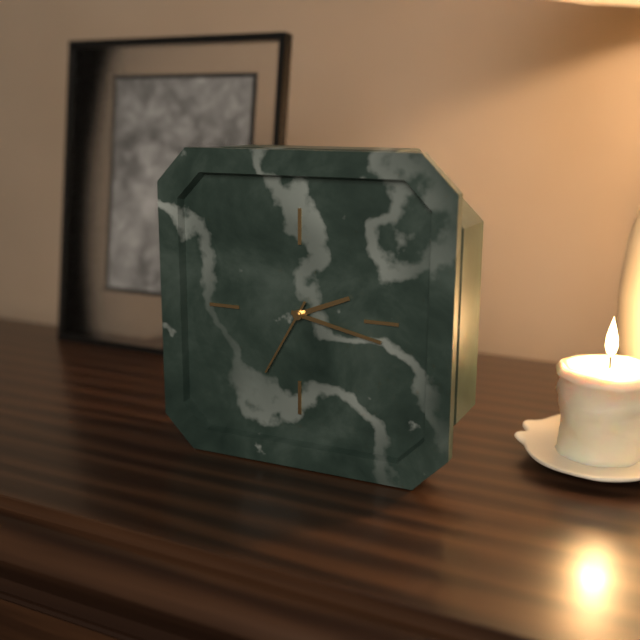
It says 2:17:35
